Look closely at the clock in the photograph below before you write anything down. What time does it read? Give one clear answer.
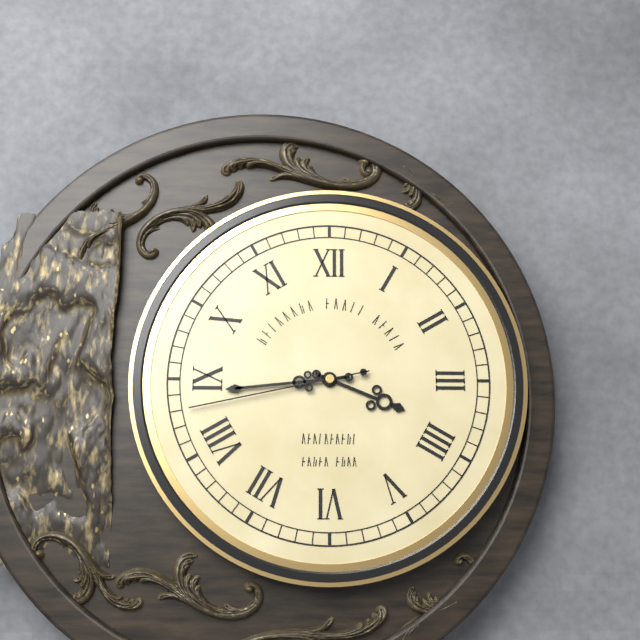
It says 3:44:43
